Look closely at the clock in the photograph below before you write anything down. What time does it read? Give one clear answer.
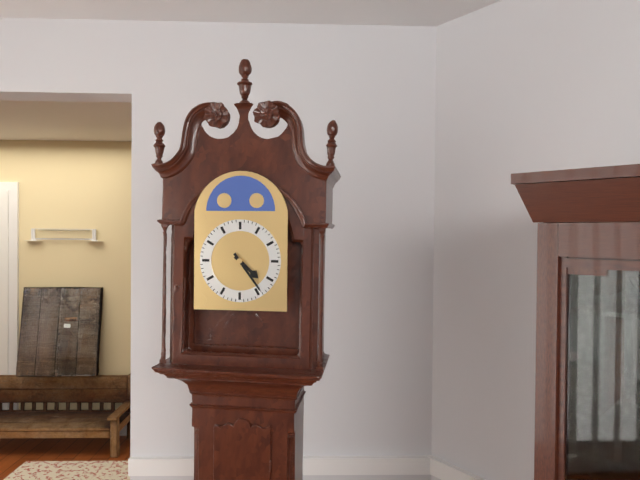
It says 4:24
